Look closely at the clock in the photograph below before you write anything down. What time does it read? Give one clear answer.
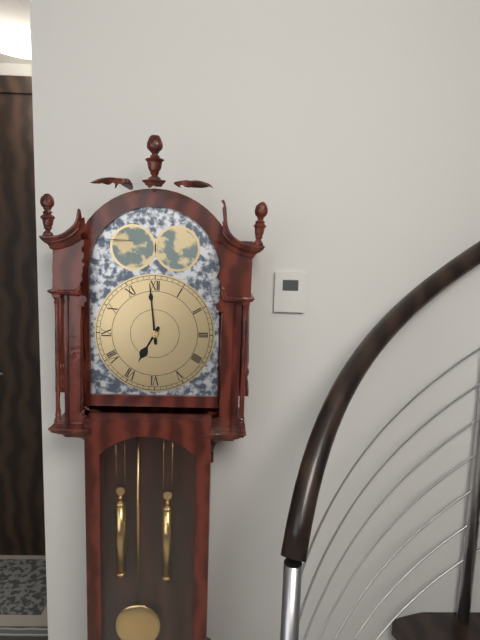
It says 6:59
